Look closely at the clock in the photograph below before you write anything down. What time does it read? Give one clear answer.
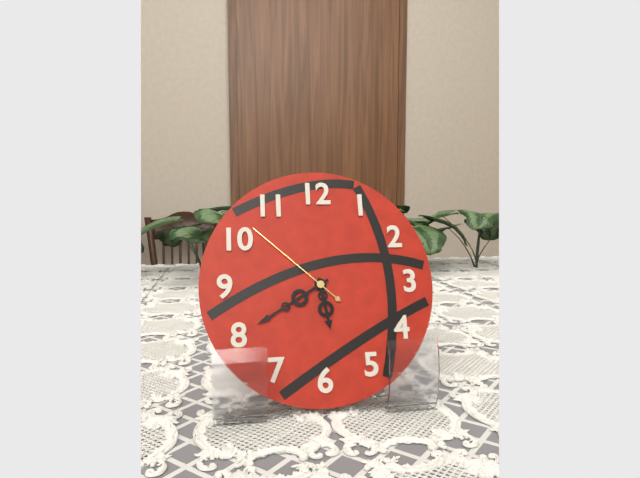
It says 5:40:52
